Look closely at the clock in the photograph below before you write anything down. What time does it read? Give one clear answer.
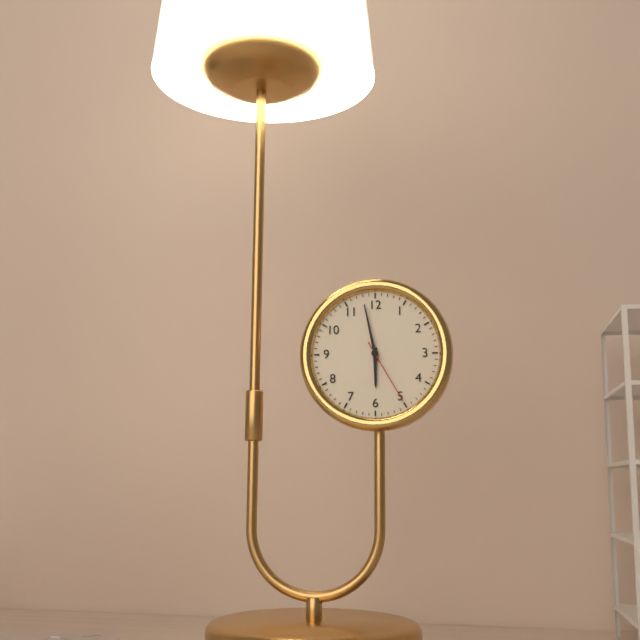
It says 5:58:25
